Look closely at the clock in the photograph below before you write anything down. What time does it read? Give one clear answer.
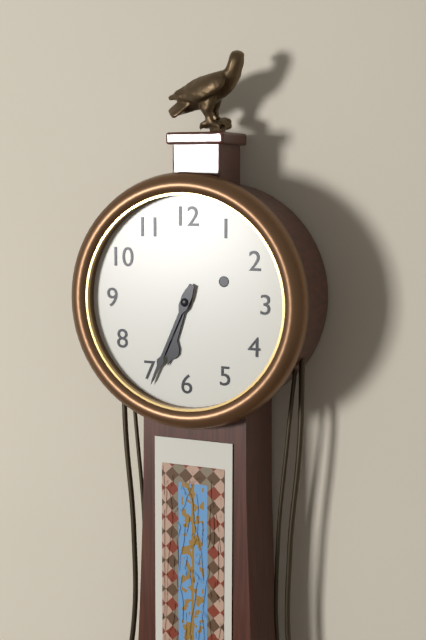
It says 6:34
